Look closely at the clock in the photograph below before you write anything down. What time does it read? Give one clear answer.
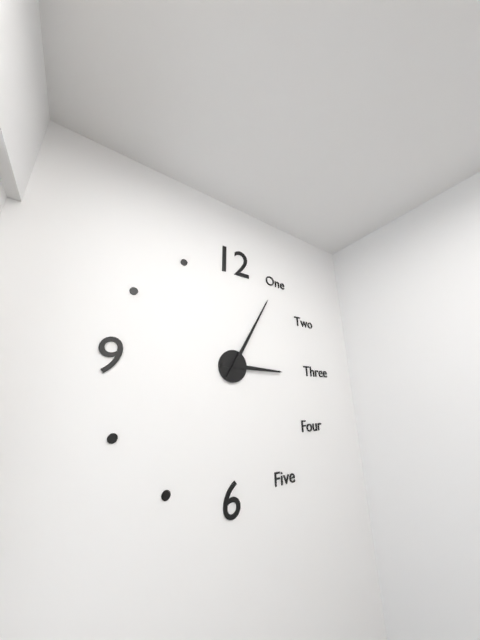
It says 3:05
